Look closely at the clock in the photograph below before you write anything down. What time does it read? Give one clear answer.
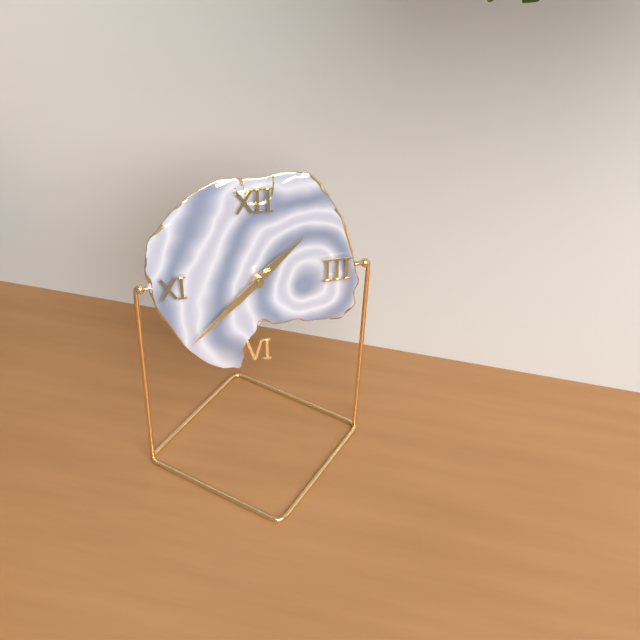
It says 1:38
